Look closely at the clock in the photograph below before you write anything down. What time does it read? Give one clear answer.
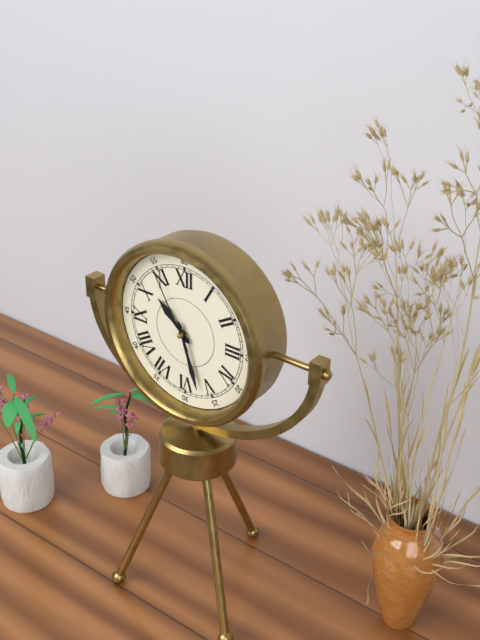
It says 10:27:55
